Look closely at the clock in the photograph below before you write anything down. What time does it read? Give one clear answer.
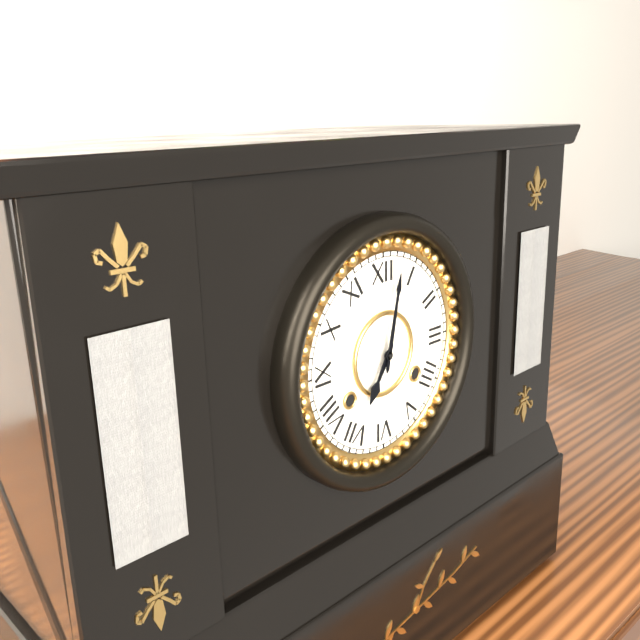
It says 7:02
